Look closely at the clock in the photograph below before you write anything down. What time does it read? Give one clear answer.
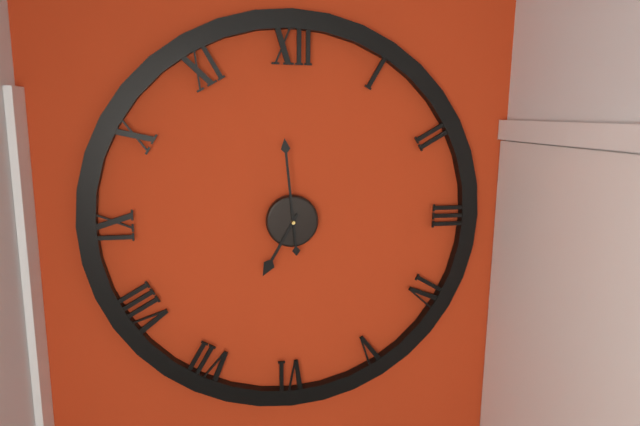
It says 6:59
